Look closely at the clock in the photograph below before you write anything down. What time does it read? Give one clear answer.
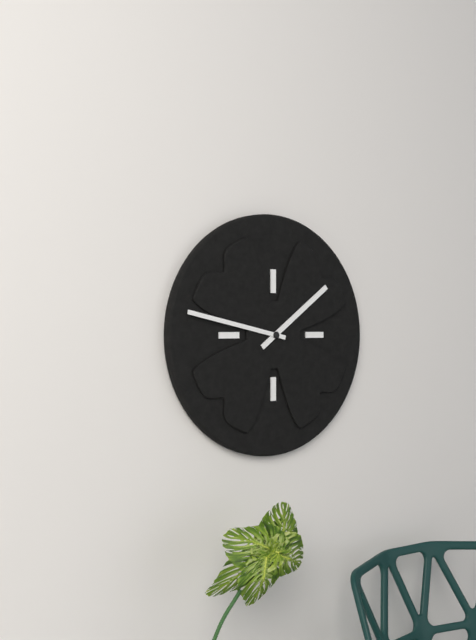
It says 1:47
